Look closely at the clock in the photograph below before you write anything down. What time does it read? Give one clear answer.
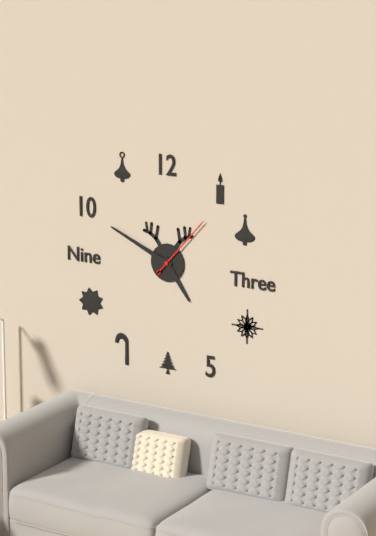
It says 4:49:07
